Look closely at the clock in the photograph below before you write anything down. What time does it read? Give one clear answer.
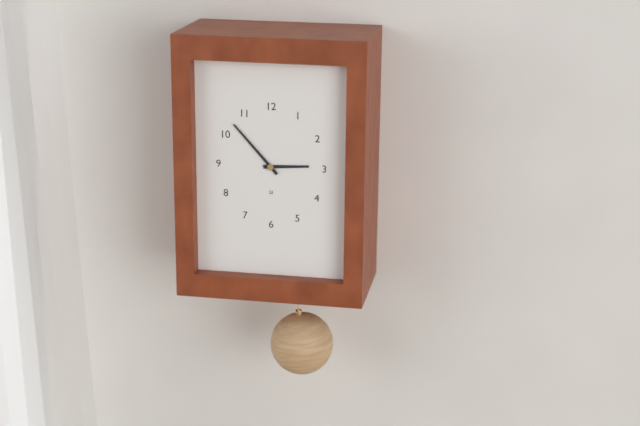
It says 2:53
